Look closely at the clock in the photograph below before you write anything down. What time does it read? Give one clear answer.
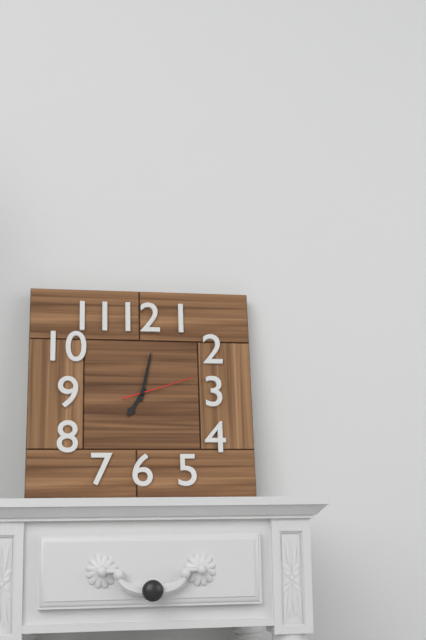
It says 7:02:12
